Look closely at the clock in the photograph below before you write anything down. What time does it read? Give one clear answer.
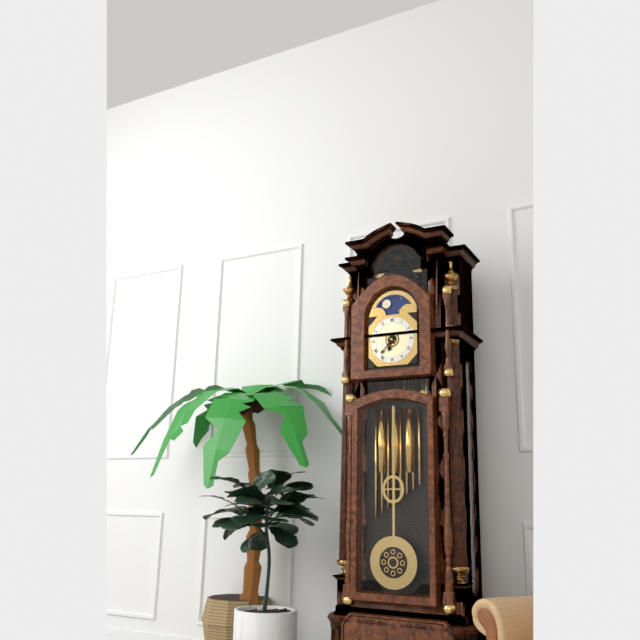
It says 6:37
